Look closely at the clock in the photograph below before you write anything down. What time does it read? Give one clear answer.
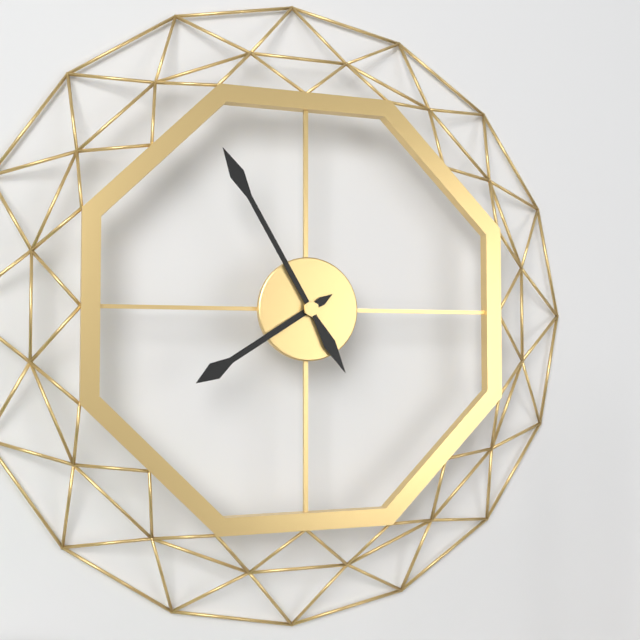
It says 7:55
